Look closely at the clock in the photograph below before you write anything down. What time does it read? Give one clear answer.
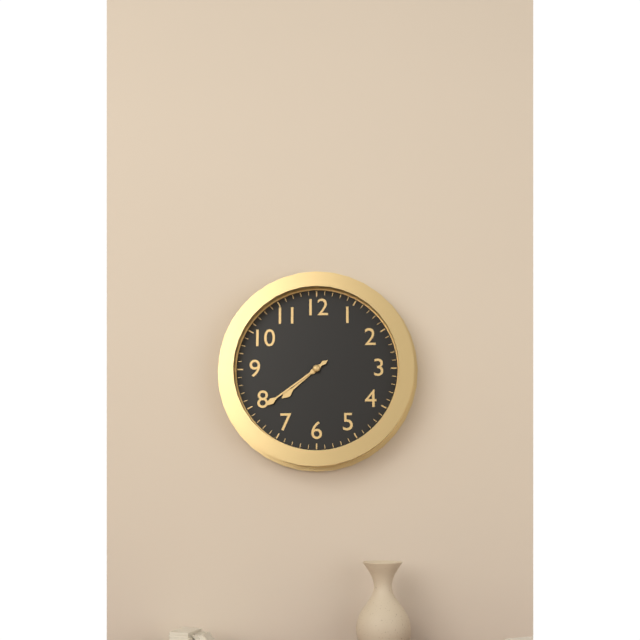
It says 7:39
